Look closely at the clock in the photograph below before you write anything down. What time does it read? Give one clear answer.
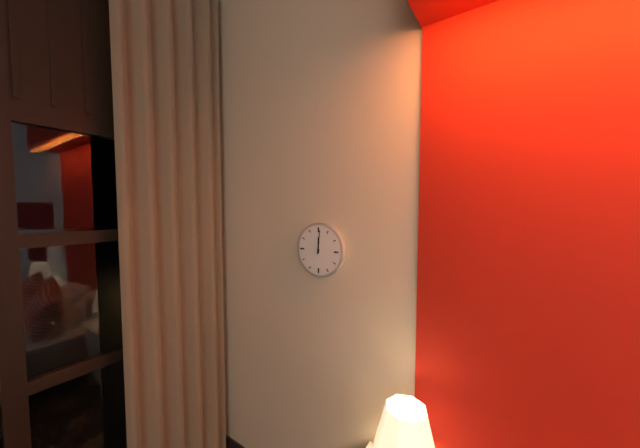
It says 12:01
